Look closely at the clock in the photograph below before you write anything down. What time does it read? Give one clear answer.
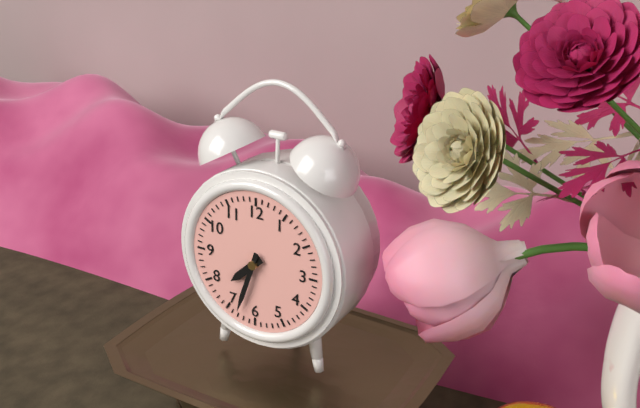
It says 7:33
